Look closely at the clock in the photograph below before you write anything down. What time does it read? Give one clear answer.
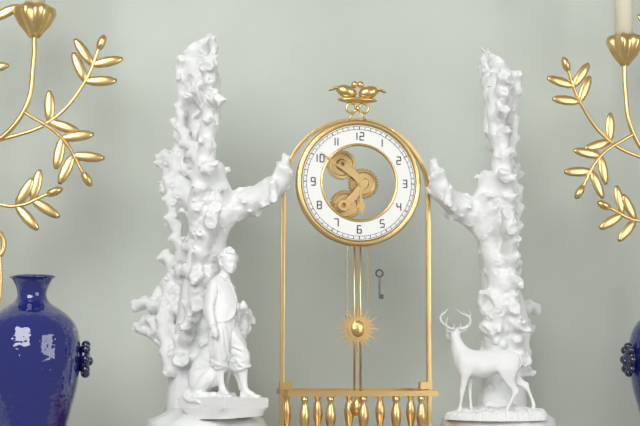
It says 5:51
